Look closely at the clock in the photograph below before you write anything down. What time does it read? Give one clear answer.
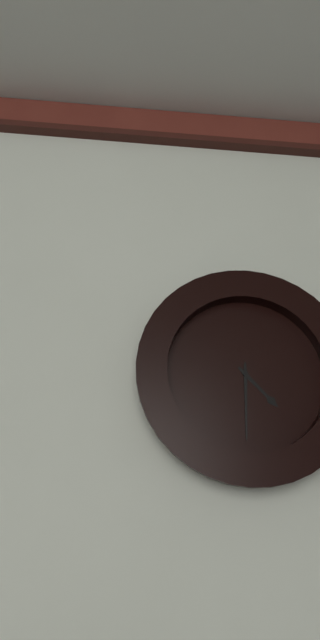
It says 4:30
